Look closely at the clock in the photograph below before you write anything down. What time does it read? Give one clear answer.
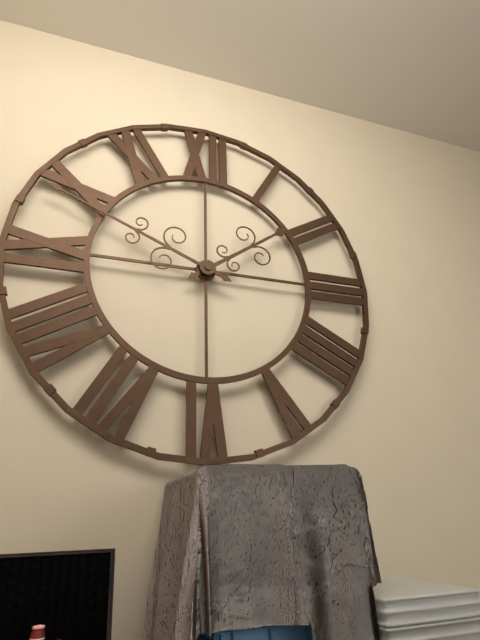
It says 1:49
